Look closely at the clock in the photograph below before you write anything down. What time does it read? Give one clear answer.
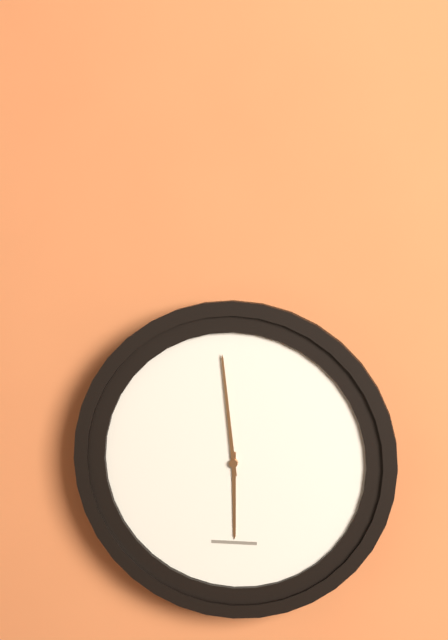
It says 5:59
